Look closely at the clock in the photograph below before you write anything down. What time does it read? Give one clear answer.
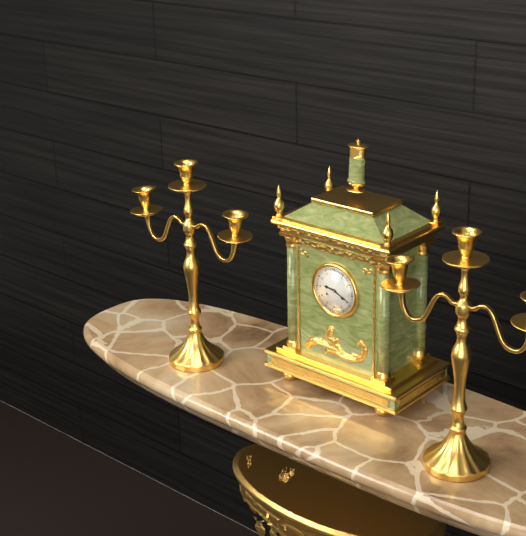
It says 9:19
